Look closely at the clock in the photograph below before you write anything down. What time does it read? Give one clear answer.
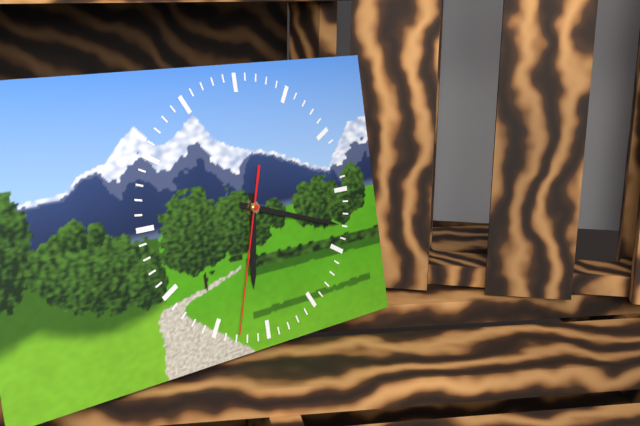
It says 6:18:33
